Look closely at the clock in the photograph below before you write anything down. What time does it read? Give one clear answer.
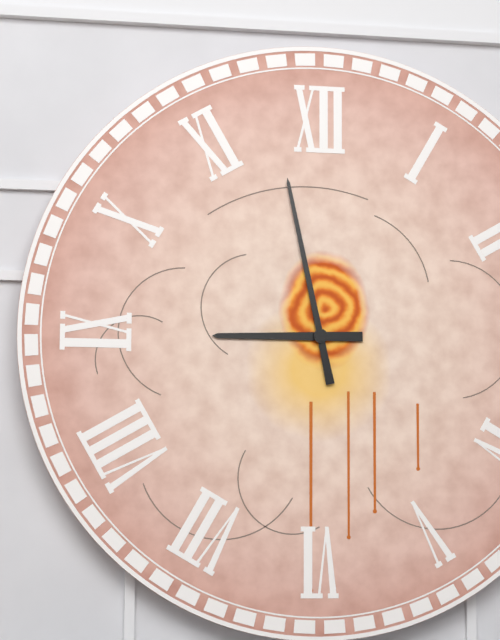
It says 8:58
